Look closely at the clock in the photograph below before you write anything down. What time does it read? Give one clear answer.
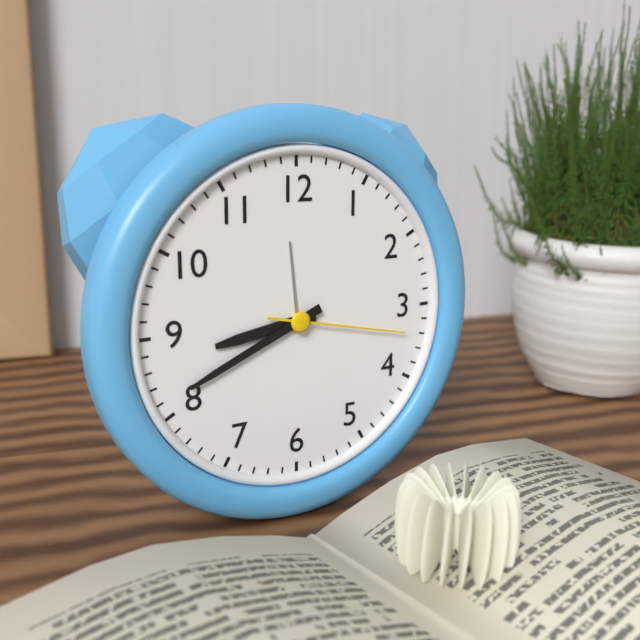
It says 8:41:17
